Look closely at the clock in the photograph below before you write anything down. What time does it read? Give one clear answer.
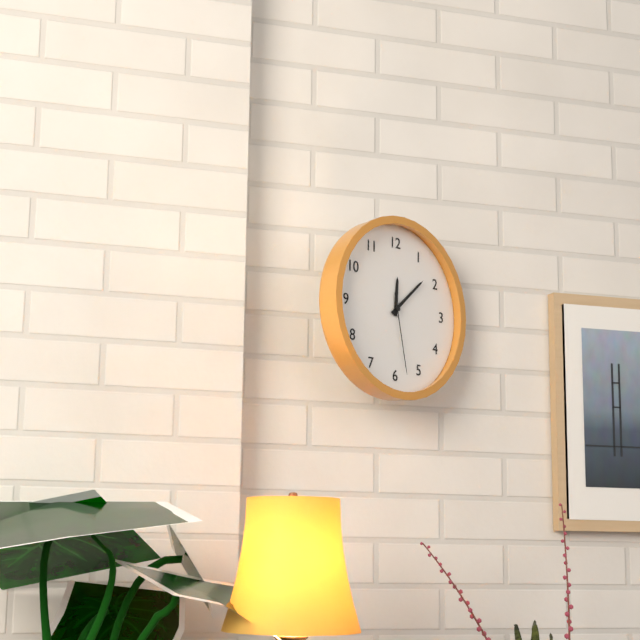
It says 12:08:28
